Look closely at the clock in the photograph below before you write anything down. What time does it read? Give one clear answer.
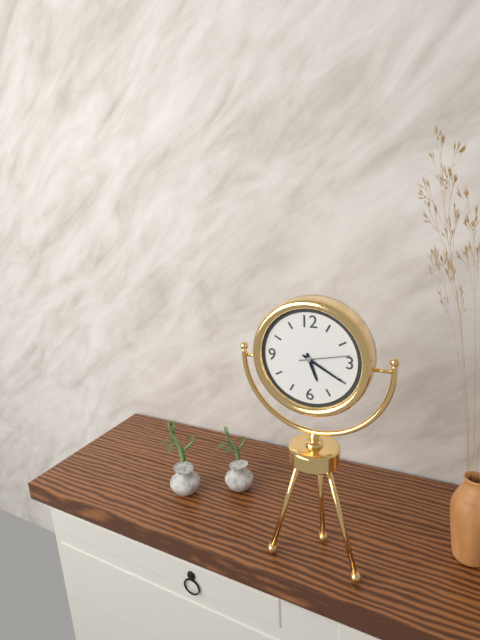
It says 5:20:13
